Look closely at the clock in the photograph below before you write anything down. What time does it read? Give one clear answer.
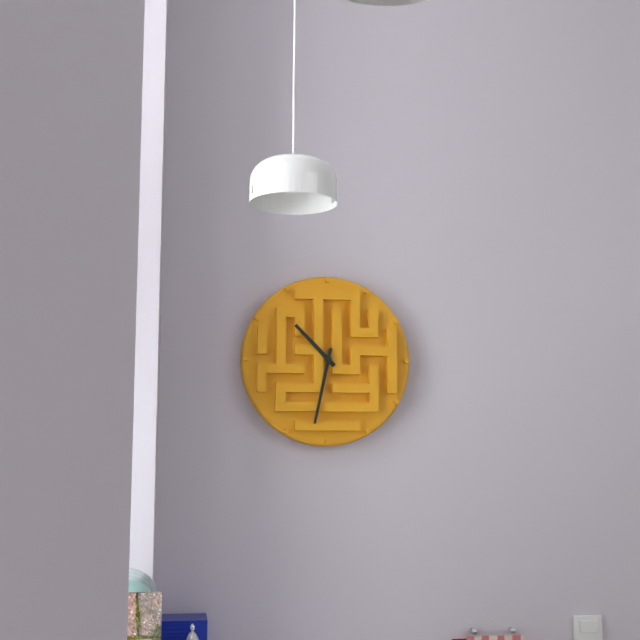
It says 10:32
